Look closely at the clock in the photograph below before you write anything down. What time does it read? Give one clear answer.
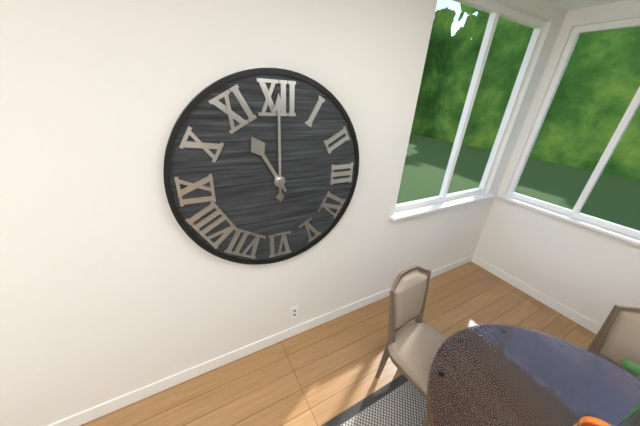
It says 11:00
